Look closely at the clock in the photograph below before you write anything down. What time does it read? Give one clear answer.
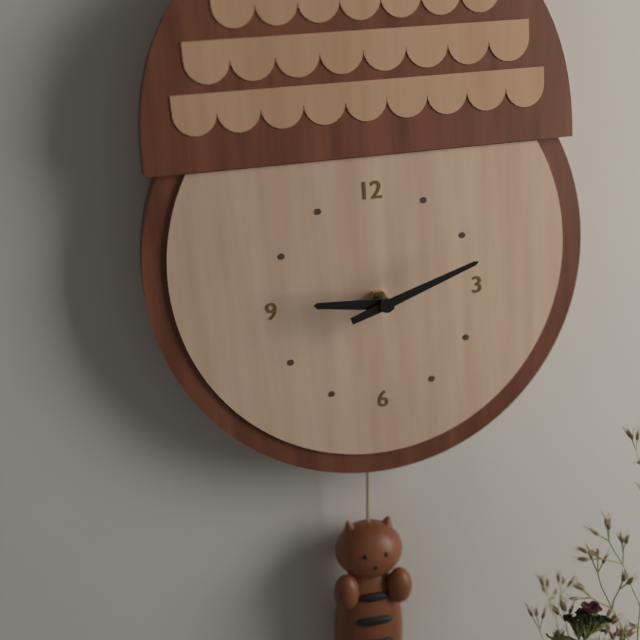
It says 9:12
